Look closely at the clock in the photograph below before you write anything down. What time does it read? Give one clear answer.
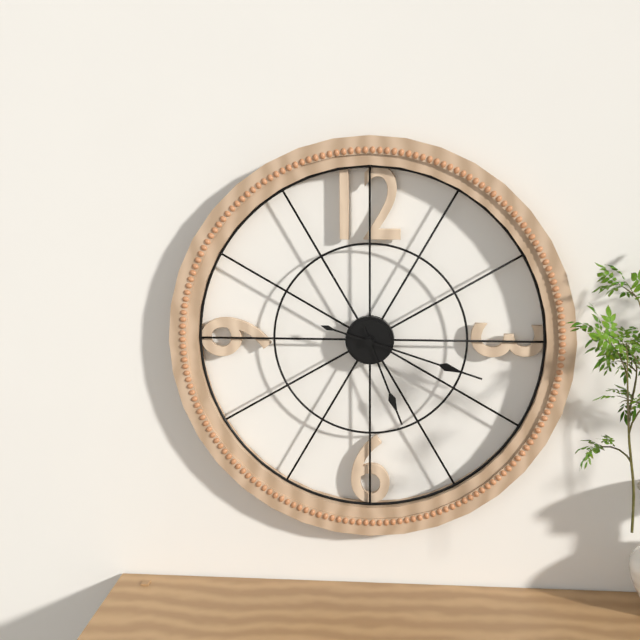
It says 5:18
